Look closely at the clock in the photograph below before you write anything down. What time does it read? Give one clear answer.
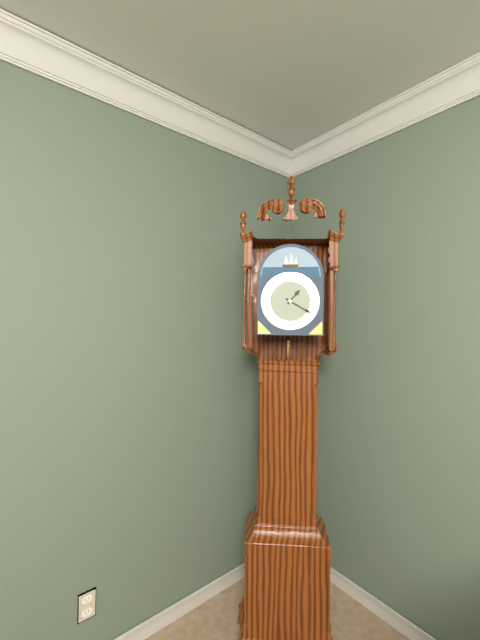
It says 1:20
